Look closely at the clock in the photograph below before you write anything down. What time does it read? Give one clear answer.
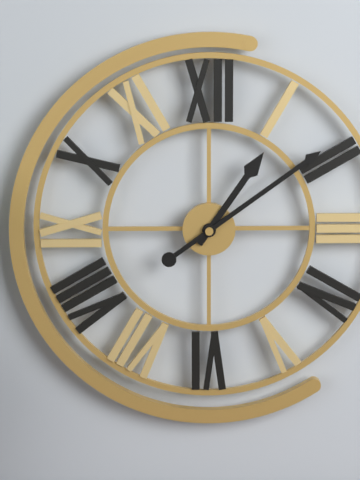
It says 1:09
